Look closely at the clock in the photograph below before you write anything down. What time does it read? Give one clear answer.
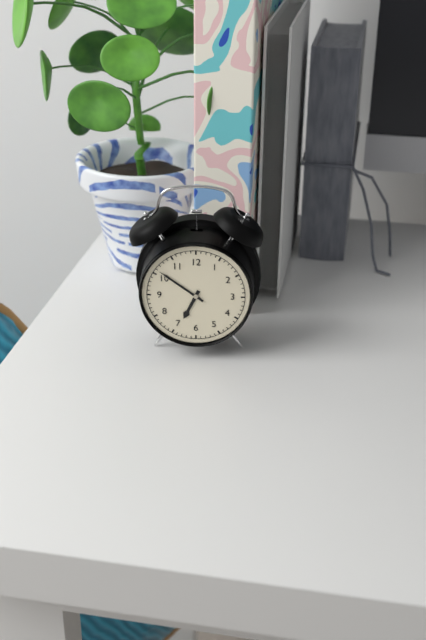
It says 6:51
